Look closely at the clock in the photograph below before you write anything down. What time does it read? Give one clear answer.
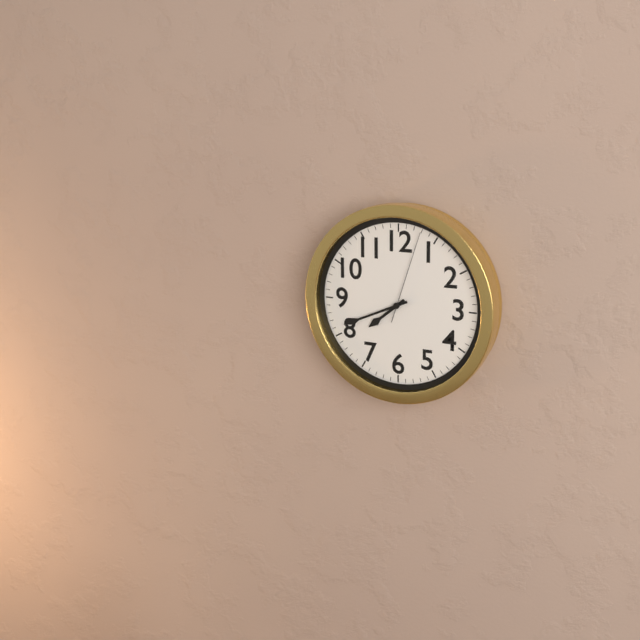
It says 7:41:03
